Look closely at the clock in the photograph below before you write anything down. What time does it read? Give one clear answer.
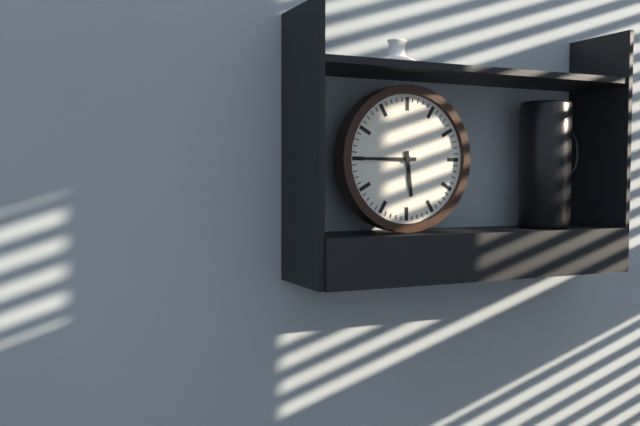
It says 5:45
